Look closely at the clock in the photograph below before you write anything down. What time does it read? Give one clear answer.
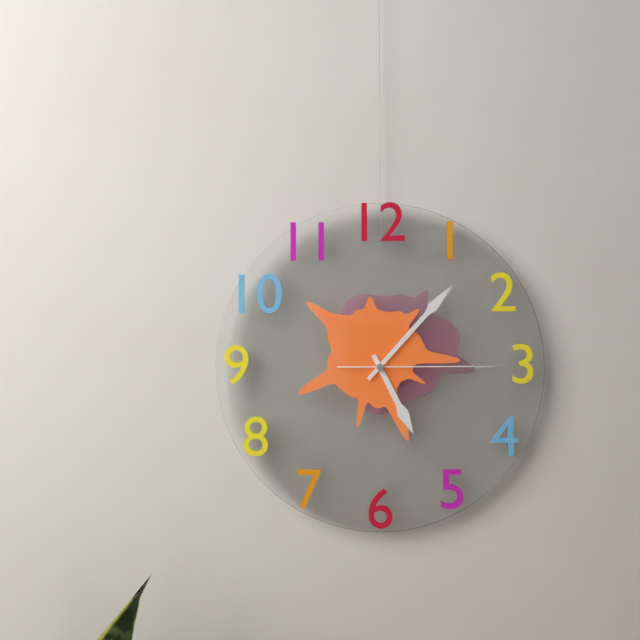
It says 5:07:15
